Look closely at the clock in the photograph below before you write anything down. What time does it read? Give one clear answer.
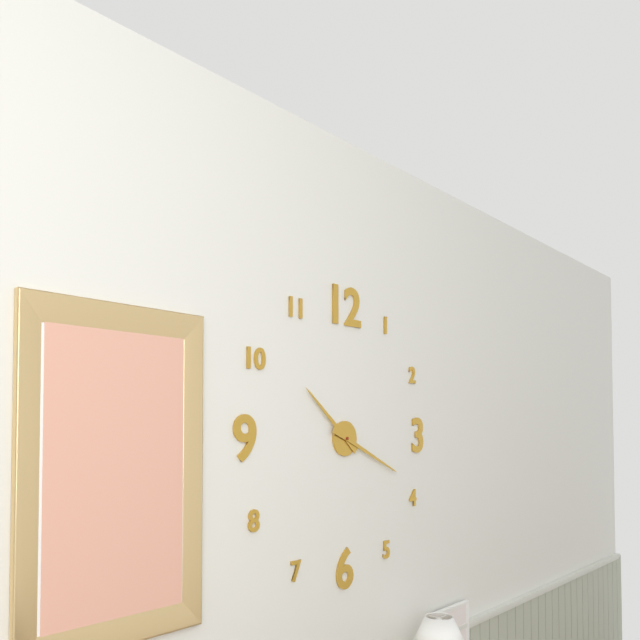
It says 10:19
